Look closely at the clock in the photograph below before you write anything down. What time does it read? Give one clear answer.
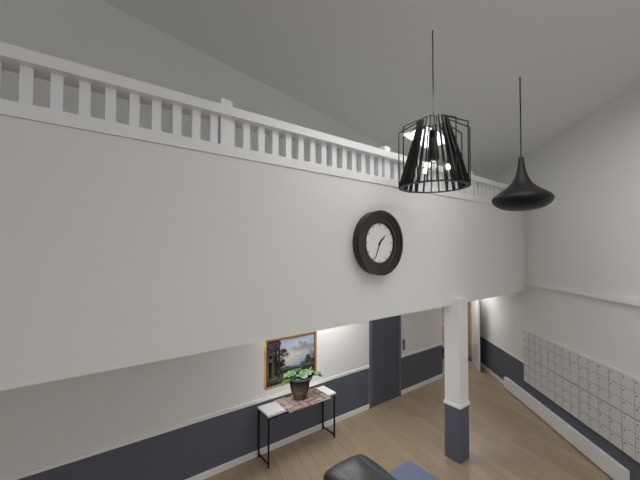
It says 1:34
